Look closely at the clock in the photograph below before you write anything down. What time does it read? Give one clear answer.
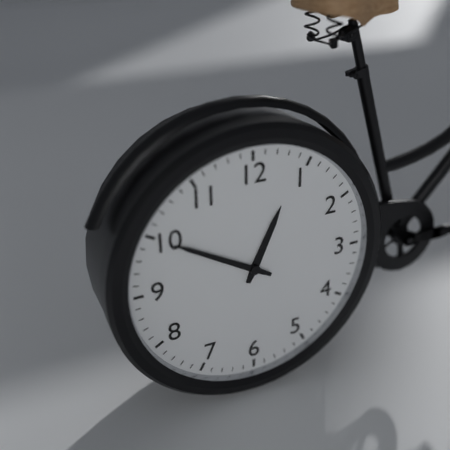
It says 12:50
